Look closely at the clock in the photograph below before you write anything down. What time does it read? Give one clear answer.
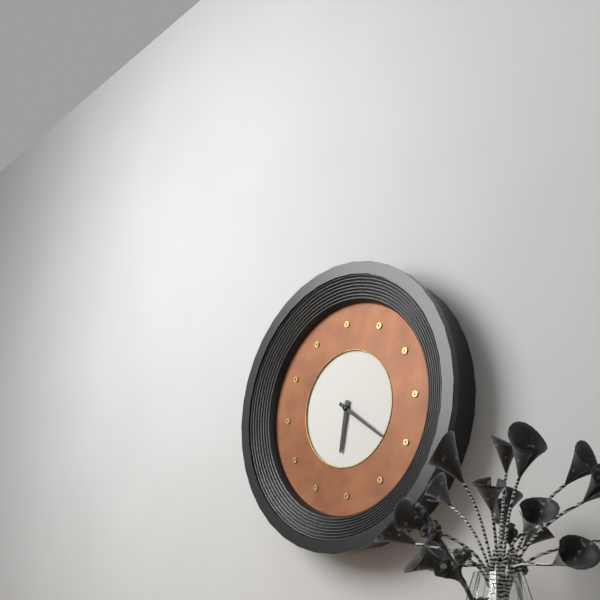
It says 6:21
